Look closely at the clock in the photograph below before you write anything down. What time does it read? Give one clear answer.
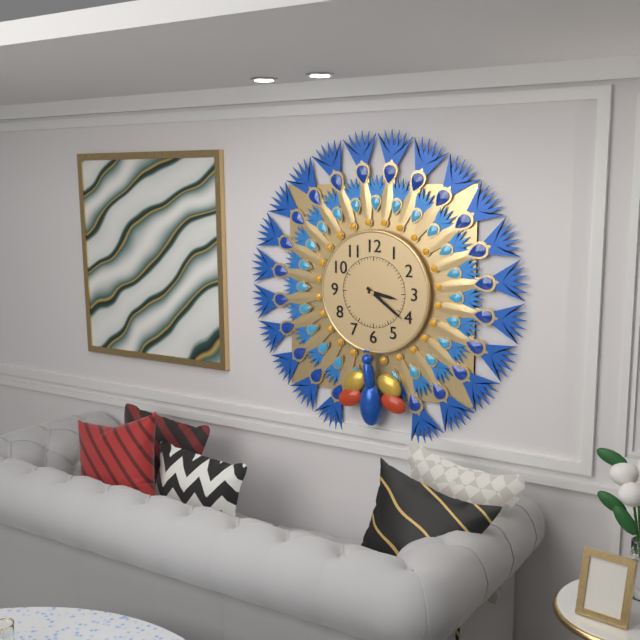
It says 3:21
